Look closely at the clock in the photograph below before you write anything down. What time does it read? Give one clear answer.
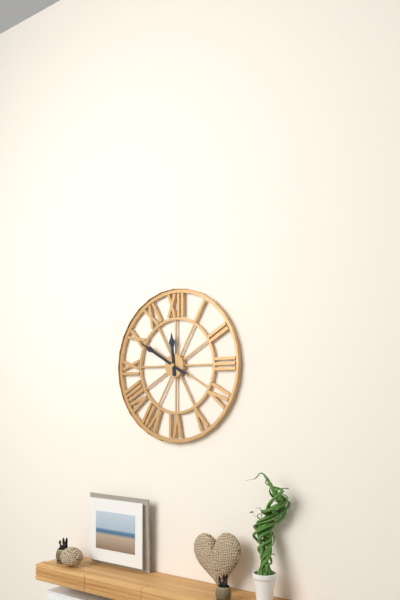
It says 11:50
